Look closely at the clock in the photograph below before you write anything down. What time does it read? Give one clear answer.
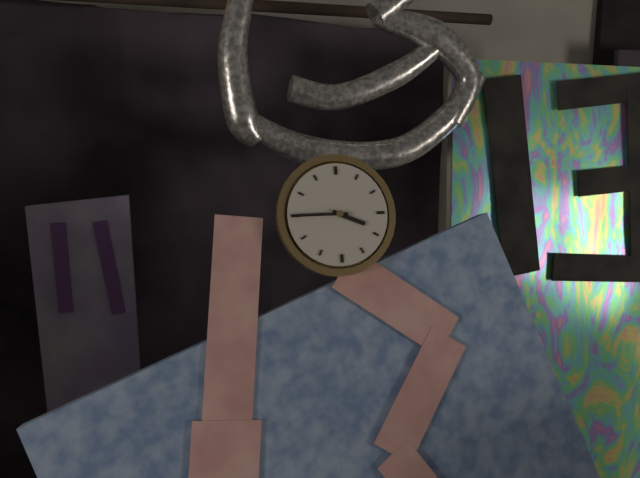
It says 3:45
